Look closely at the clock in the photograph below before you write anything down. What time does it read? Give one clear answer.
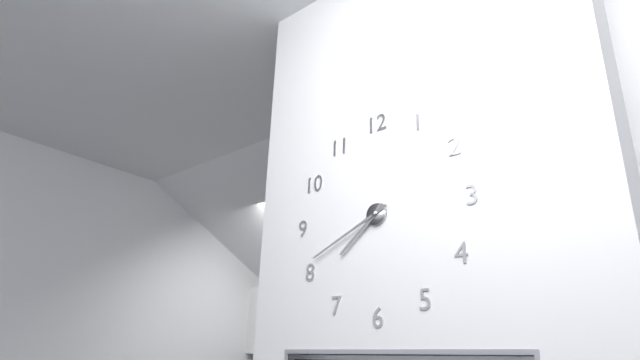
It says 7:41
